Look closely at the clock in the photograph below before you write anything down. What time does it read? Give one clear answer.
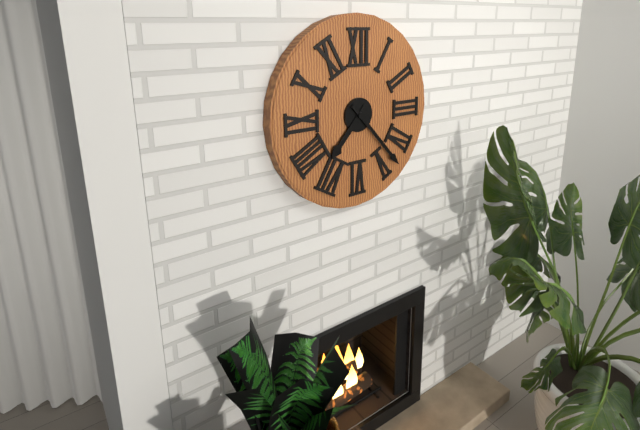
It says 7:23
